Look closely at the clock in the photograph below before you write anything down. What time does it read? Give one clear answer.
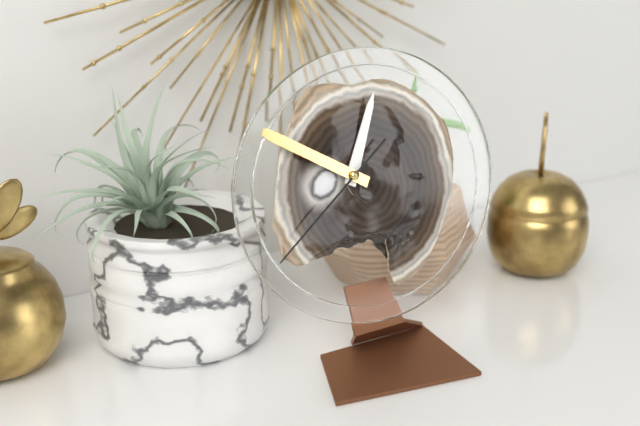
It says 12:50:39
